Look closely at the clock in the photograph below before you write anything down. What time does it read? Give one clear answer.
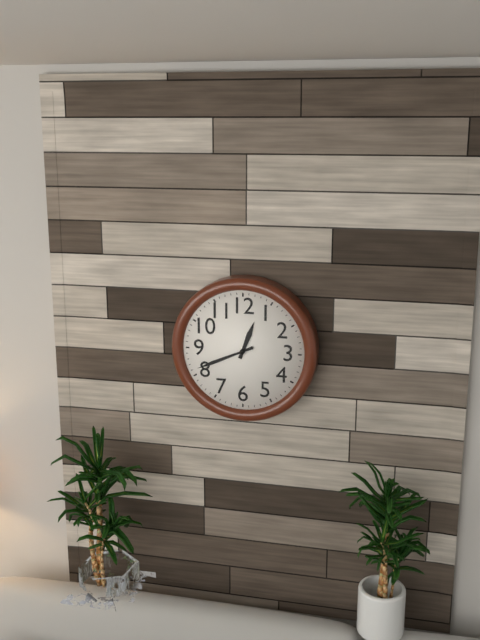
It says 12:41
